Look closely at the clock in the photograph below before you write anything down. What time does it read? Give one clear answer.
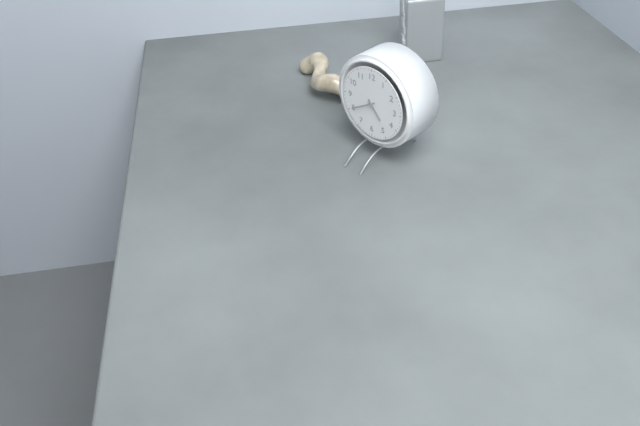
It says 4:40
